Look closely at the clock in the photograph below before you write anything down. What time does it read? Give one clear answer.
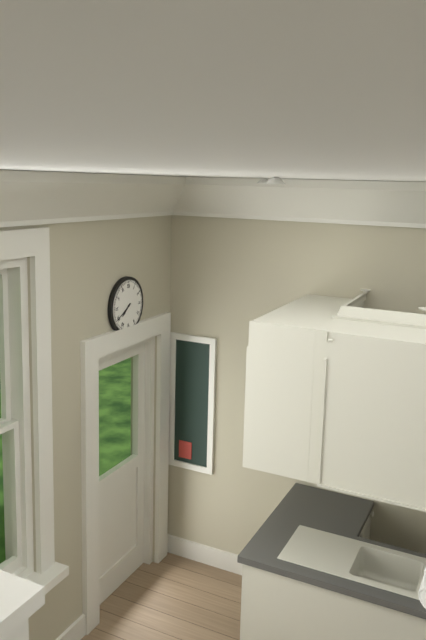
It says 7:40
